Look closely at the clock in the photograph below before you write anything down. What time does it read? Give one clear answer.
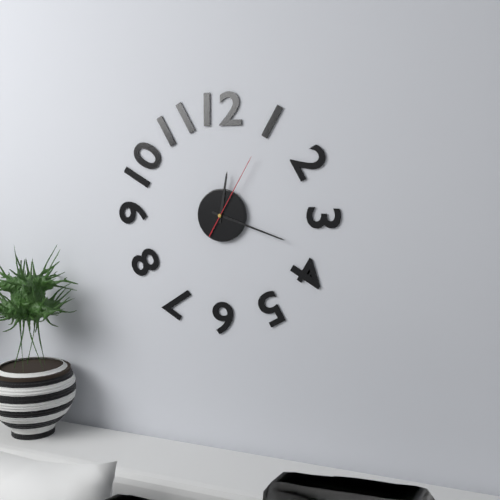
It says 12:18:05
